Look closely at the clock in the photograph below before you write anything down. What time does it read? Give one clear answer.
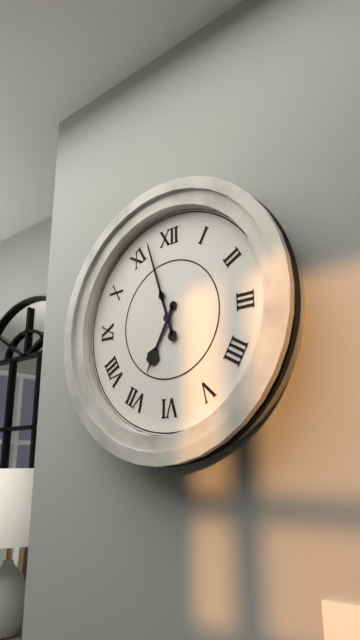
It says 6:57
